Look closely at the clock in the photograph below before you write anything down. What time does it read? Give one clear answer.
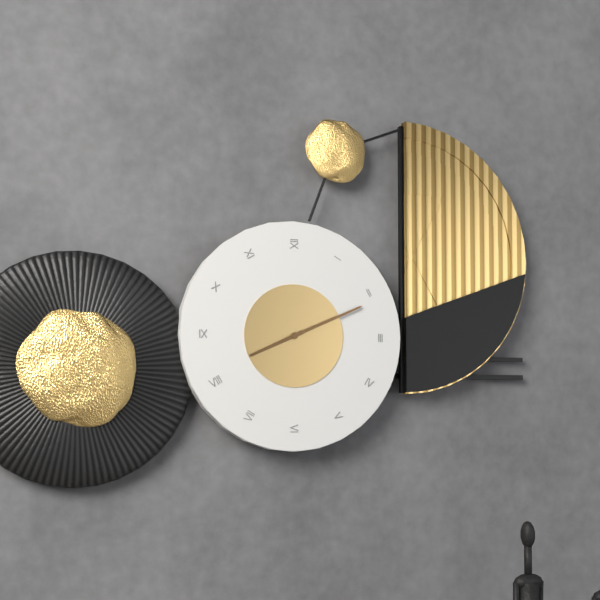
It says 8:11
